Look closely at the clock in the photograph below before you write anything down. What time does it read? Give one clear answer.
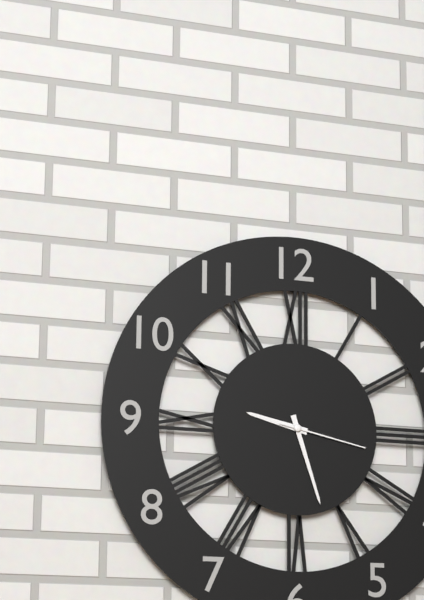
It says 9:27:17
